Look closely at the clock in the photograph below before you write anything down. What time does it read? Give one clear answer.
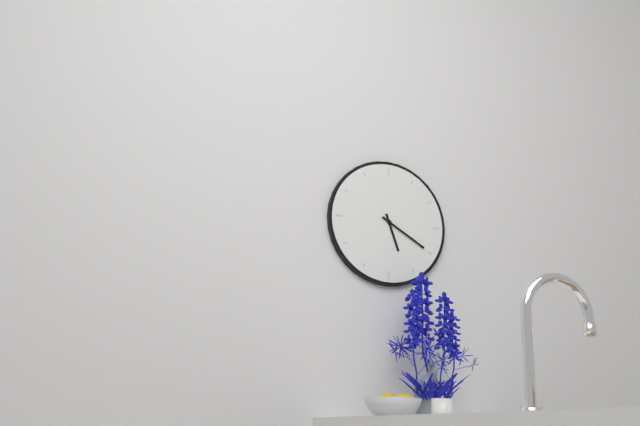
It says 5:20
